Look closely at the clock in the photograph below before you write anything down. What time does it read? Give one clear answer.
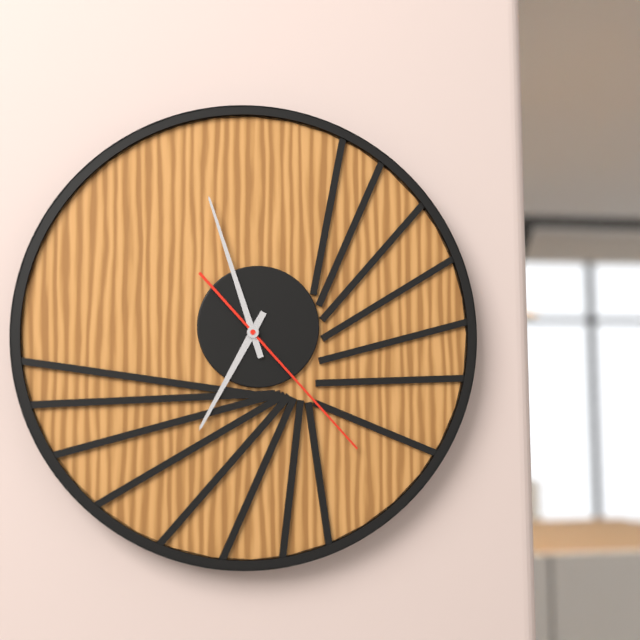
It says 6:57:23
